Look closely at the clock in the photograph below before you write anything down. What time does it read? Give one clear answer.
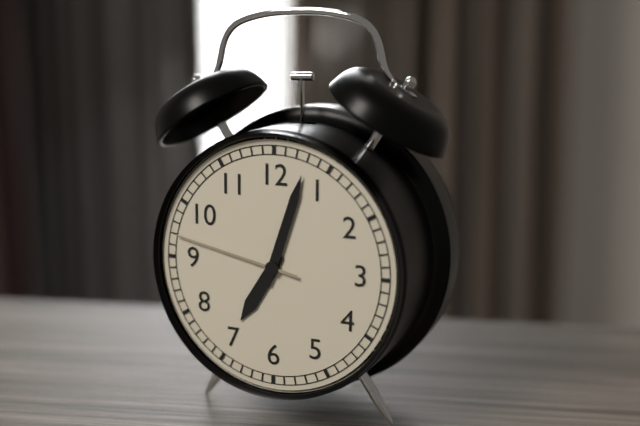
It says 7:03:47
